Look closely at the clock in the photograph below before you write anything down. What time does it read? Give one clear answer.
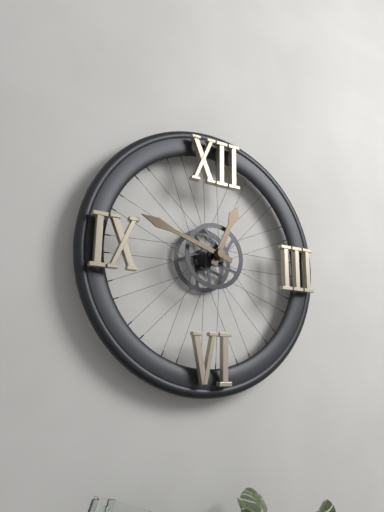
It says 12:48
